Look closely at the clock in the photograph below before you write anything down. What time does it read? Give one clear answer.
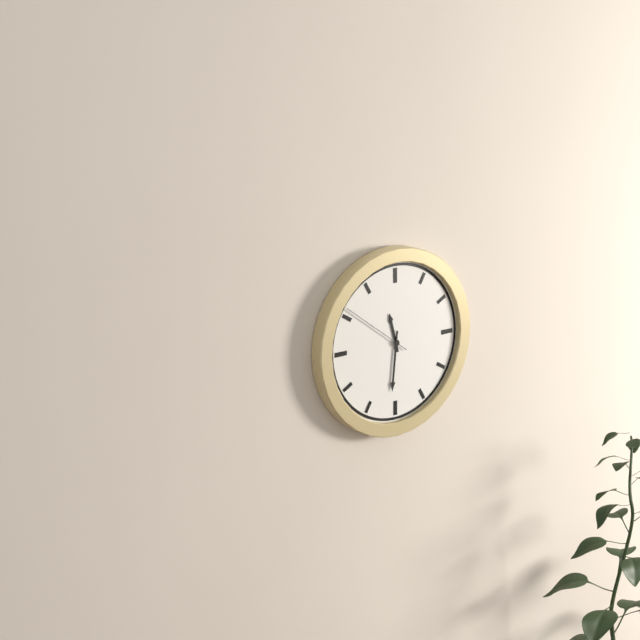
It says 11:31:51
